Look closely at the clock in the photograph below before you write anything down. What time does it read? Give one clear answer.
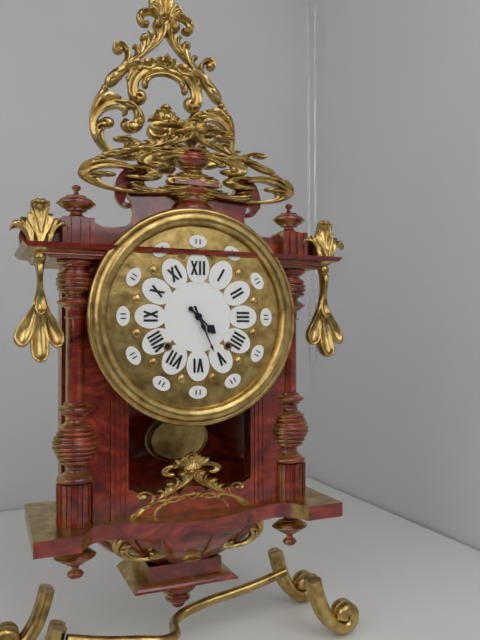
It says 4:26
